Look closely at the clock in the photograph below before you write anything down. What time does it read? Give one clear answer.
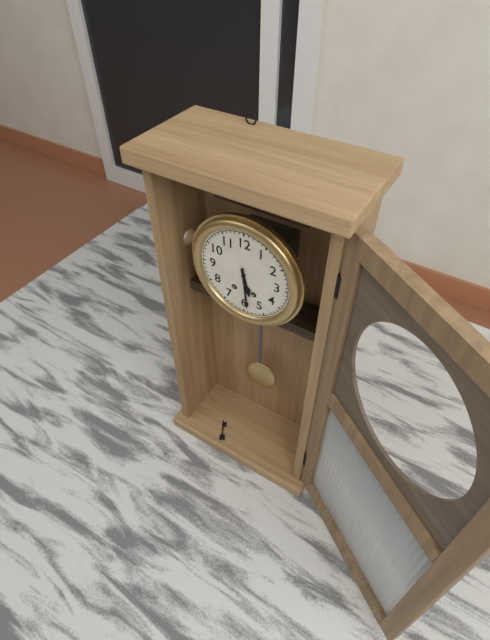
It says 5:29
